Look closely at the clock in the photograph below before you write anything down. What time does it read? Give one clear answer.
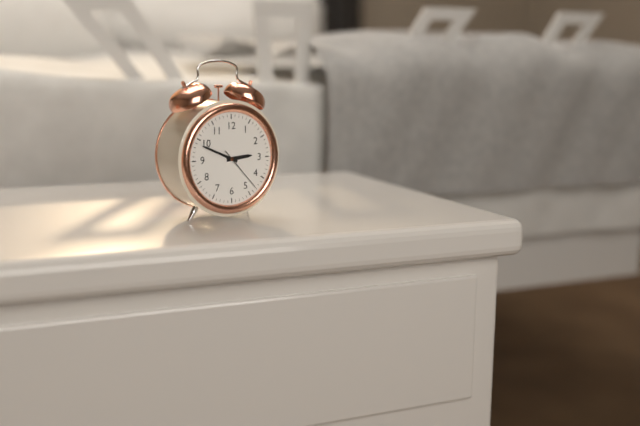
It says 2:49
